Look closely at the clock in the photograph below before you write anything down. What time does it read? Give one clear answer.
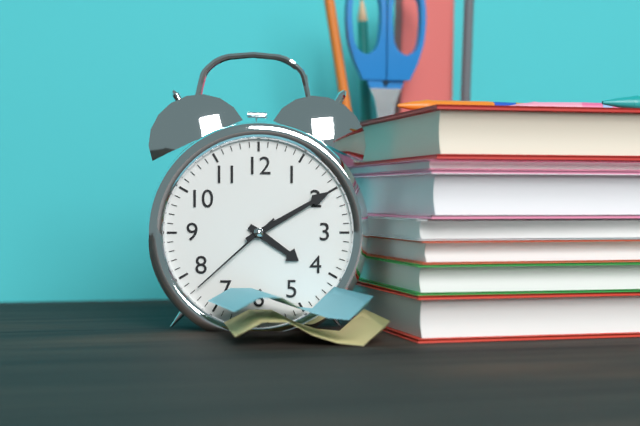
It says 4:10:38
